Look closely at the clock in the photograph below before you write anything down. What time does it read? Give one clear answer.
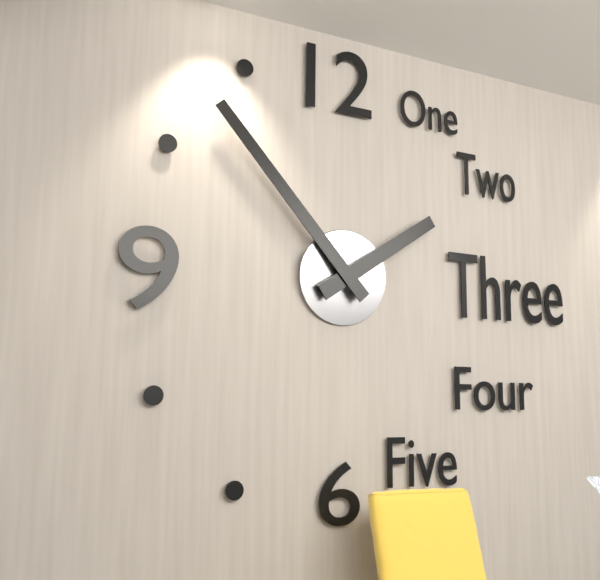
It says 1:53
